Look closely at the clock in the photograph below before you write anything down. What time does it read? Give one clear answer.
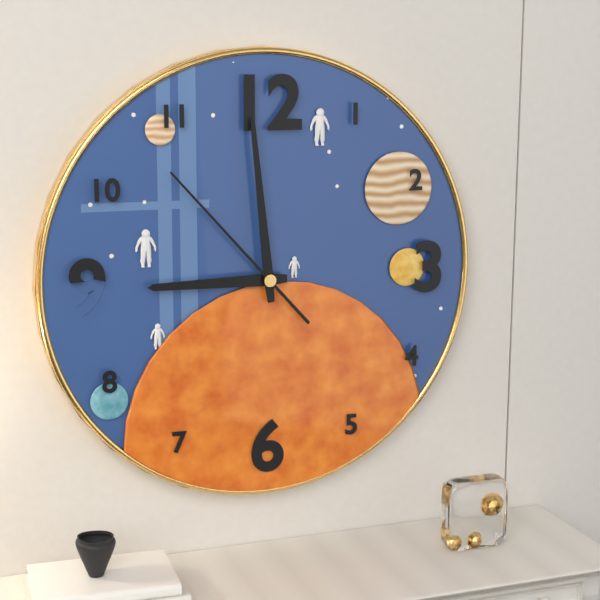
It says 8:59:53
